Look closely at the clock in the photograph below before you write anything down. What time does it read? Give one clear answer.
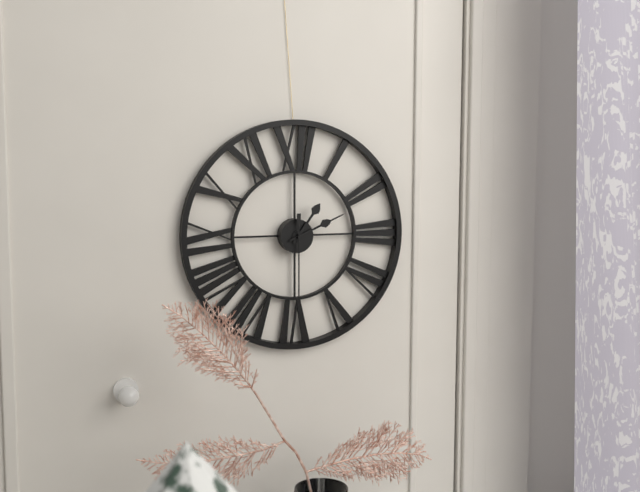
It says 1:11:30
